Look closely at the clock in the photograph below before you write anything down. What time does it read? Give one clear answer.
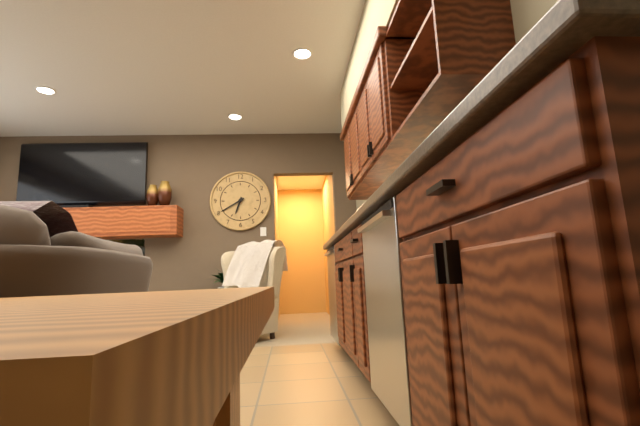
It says 6:40
